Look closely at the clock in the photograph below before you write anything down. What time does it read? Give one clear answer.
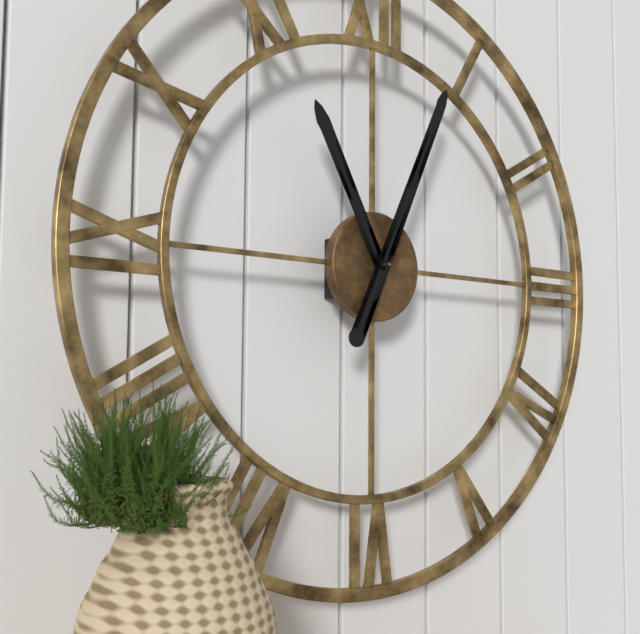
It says 11:04
